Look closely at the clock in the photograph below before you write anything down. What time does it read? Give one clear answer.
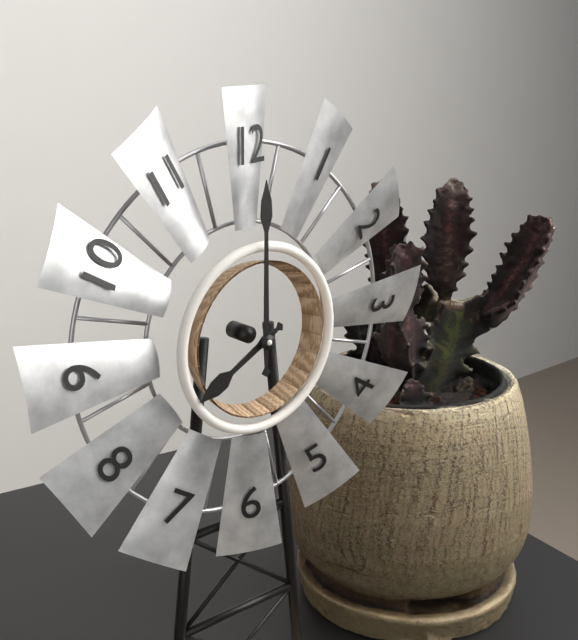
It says 8:00
